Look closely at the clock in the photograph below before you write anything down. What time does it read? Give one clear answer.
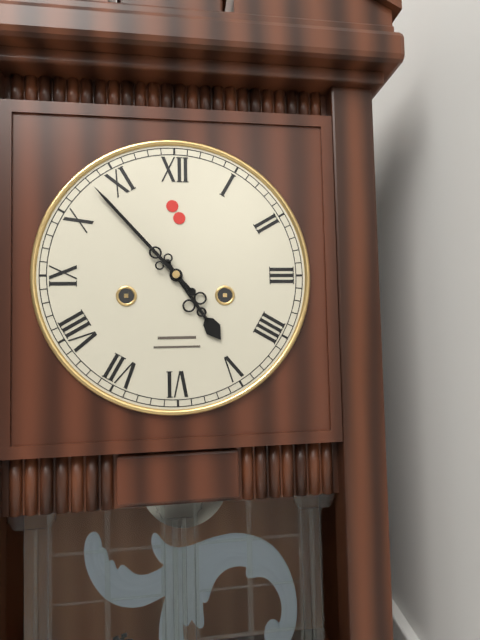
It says 4:53
